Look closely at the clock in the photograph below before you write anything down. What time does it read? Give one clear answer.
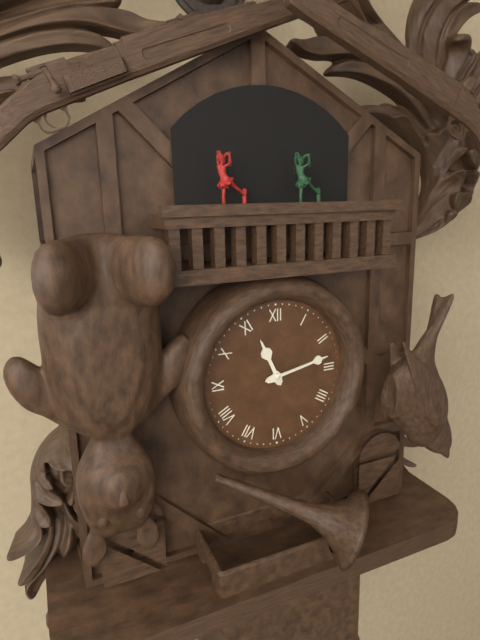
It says 11:13
